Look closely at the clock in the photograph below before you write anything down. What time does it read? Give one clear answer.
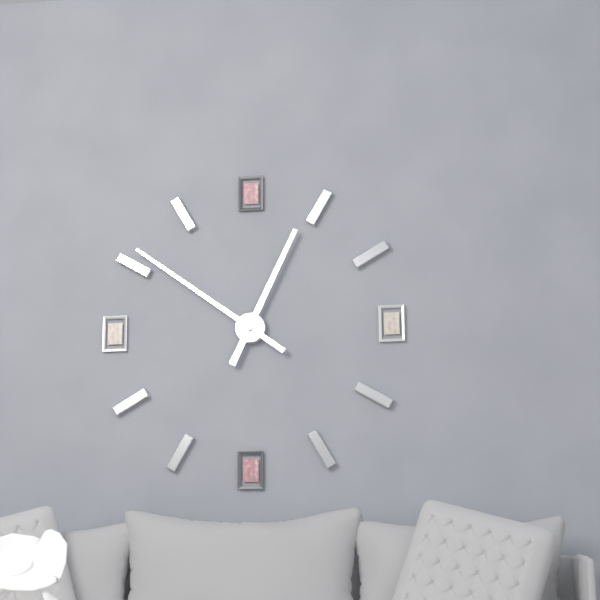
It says 12:51
